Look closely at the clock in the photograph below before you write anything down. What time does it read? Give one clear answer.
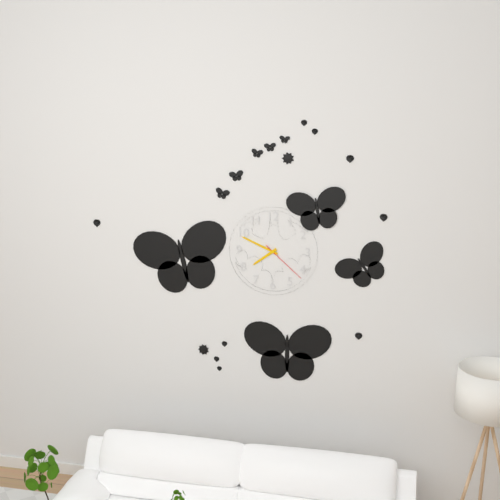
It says 7:49
